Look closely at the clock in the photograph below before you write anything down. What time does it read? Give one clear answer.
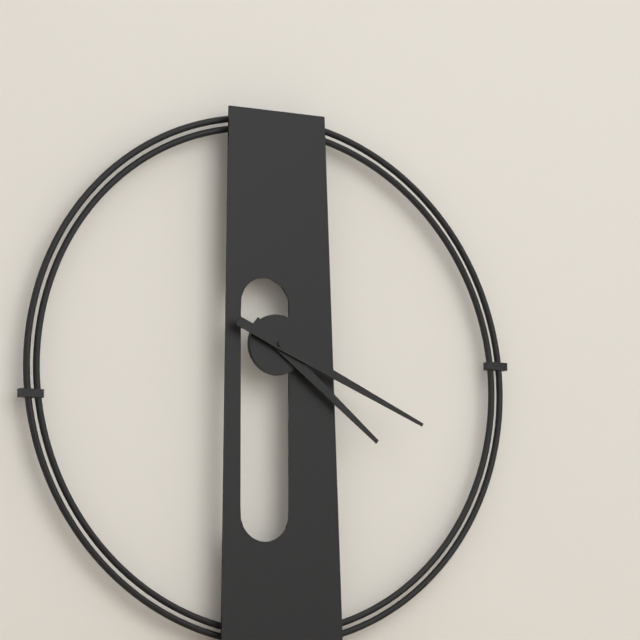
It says 4:19
